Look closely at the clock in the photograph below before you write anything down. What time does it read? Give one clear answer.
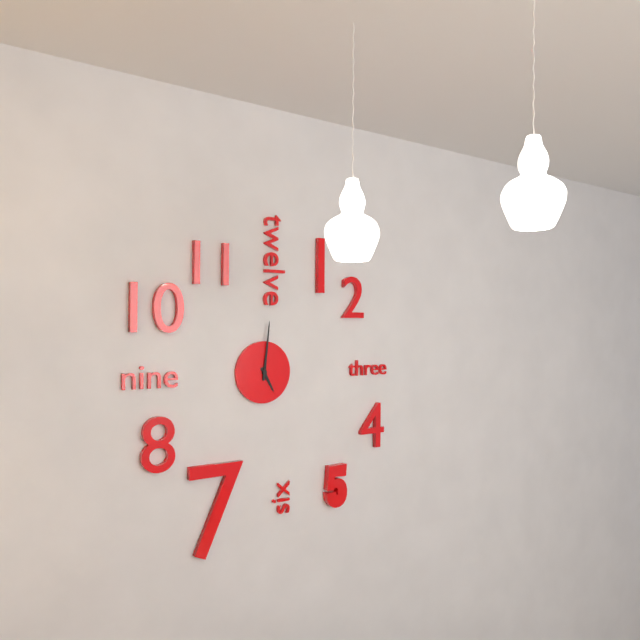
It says 5:01
